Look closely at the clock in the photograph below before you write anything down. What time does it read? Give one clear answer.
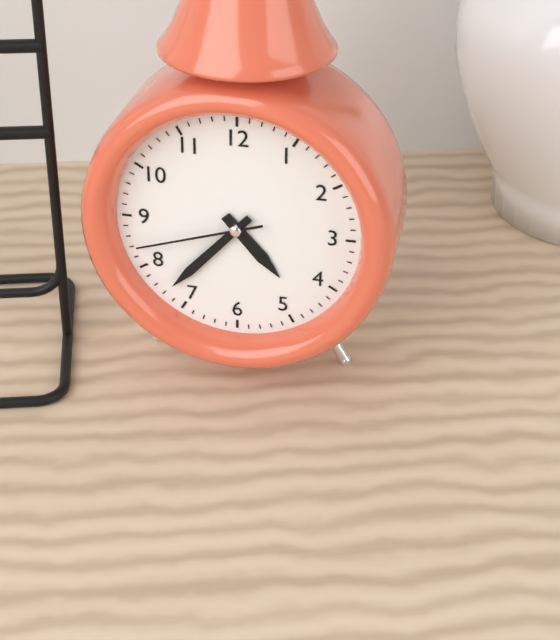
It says 4:37:42
